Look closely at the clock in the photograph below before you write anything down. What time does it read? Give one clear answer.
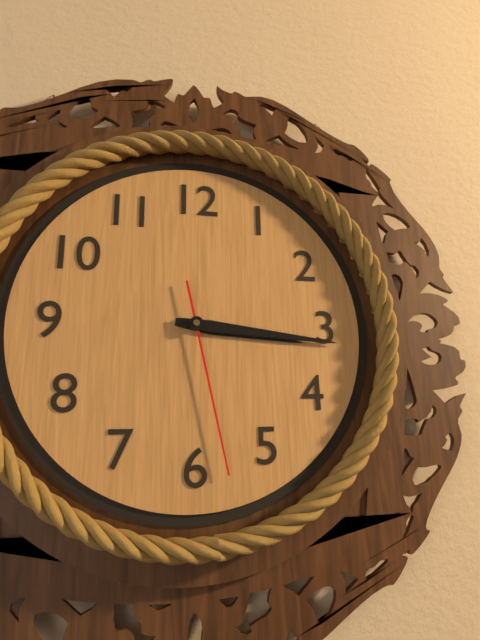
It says 3:16:28
